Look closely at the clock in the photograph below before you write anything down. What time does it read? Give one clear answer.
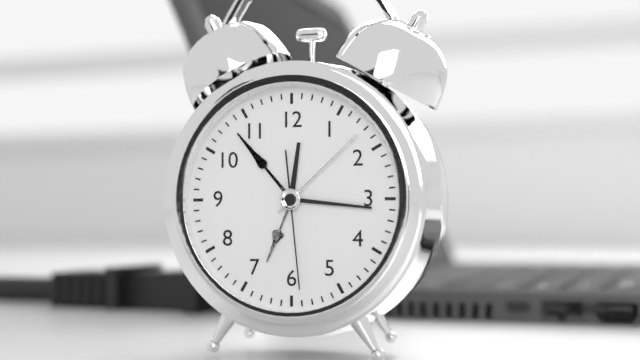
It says 12:16:29
